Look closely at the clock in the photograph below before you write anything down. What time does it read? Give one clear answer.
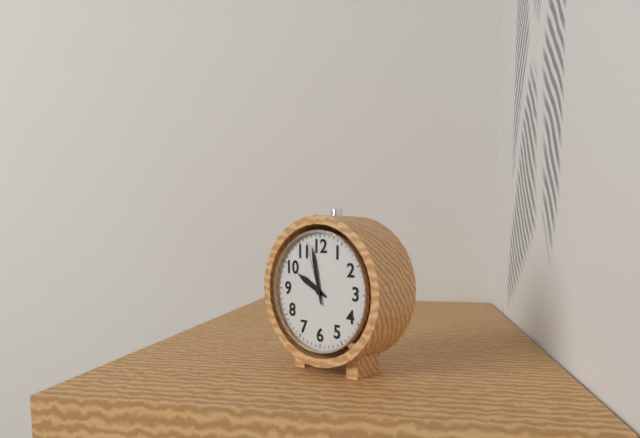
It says 9:58:57
